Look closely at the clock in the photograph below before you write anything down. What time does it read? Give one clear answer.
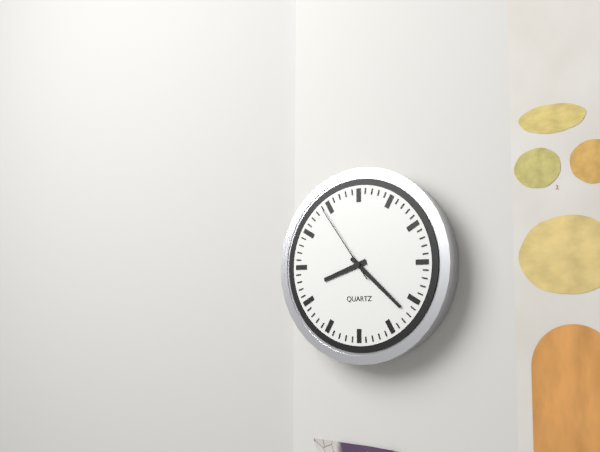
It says 8:22:54
